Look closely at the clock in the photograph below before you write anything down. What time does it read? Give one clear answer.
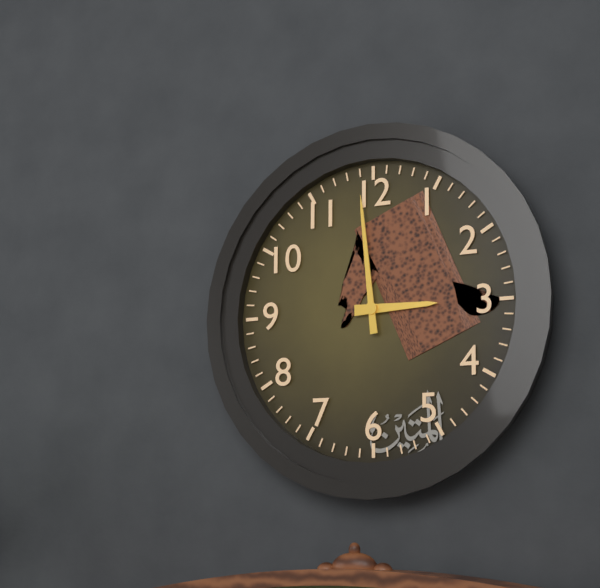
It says 2:59
